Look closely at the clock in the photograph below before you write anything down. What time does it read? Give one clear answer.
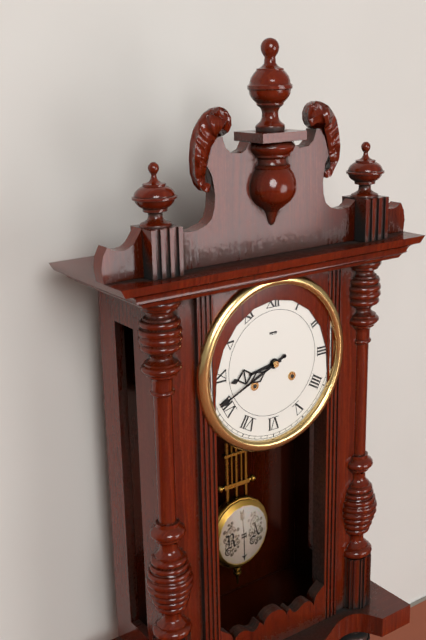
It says 8:41
